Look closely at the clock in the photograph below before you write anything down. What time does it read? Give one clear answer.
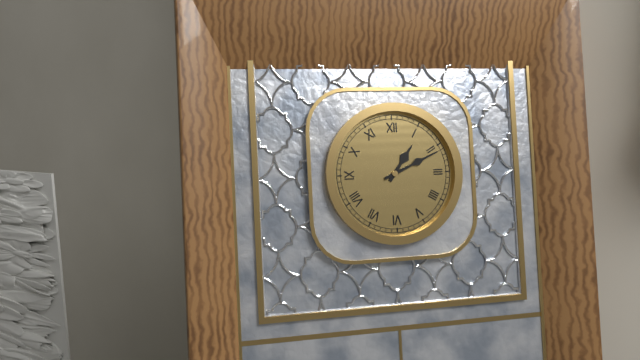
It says 1:11
